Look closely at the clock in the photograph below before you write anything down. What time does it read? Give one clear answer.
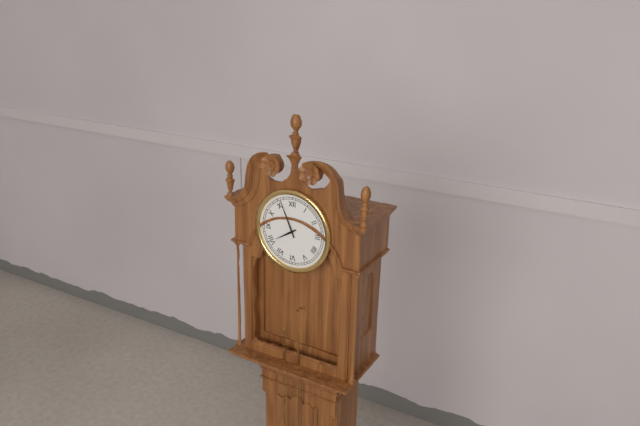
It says 7:56
